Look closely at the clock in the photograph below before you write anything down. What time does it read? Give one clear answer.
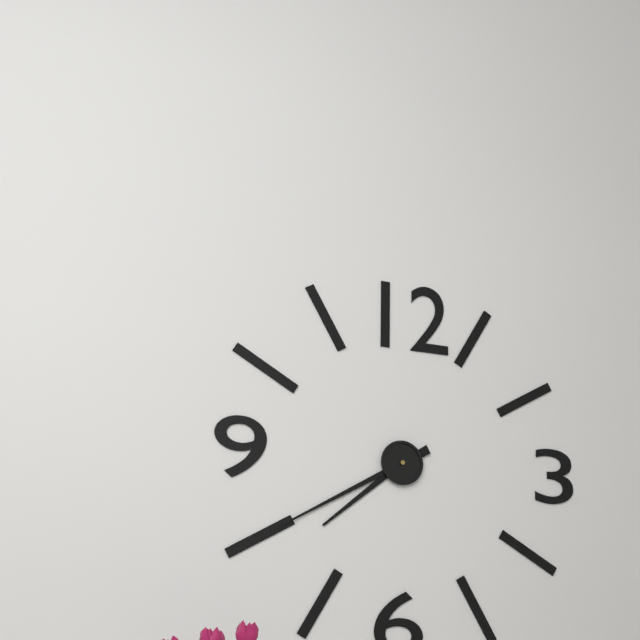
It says 7:40
